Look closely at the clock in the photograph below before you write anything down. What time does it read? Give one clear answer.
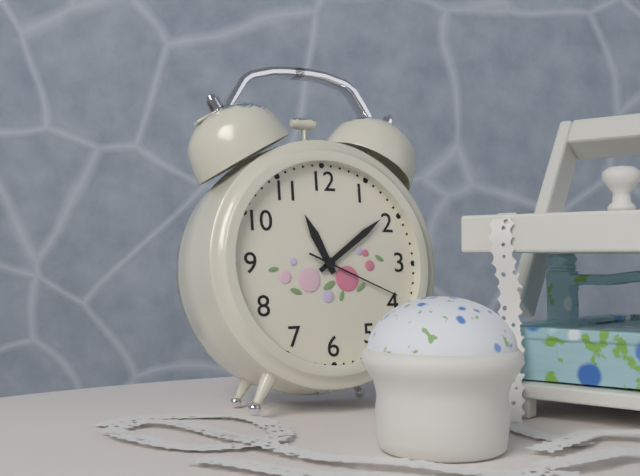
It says 11:09:19
